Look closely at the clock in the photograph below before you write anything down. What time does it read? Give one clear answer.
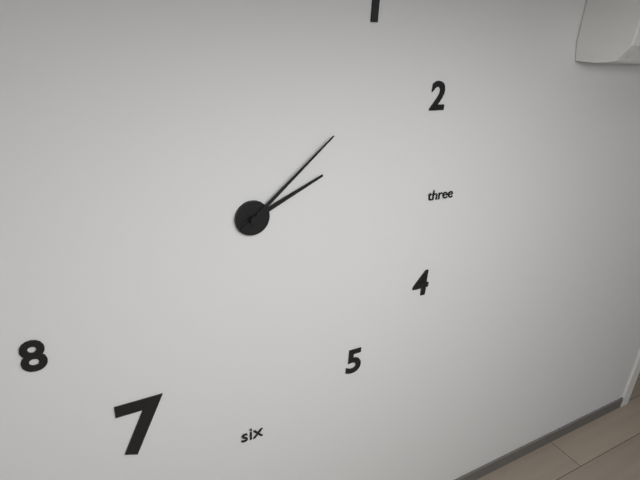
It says 2:08
